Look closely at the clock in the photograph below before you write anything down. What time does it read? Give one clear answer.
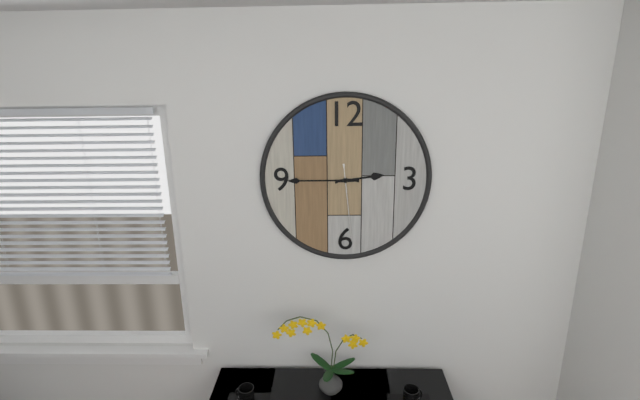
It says 2:45:29
